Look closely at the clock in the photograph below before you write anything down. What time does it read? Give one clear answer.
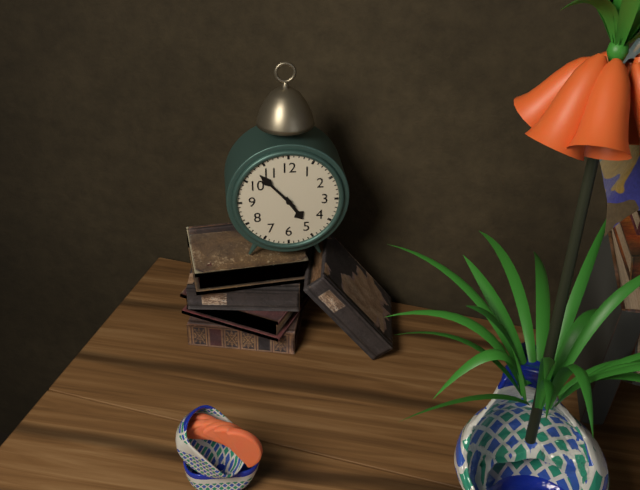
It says 4:53
